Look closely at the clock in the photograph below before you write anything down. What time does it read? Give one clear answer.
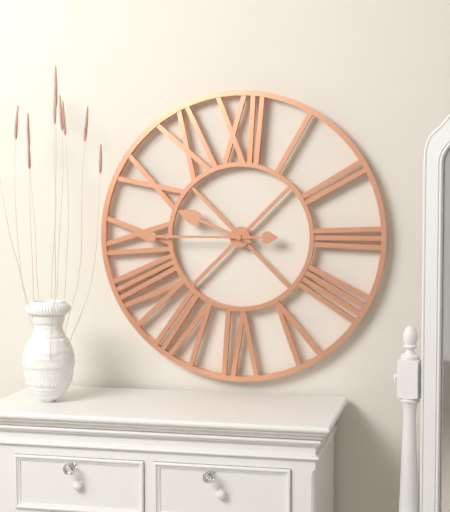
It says 9:45
